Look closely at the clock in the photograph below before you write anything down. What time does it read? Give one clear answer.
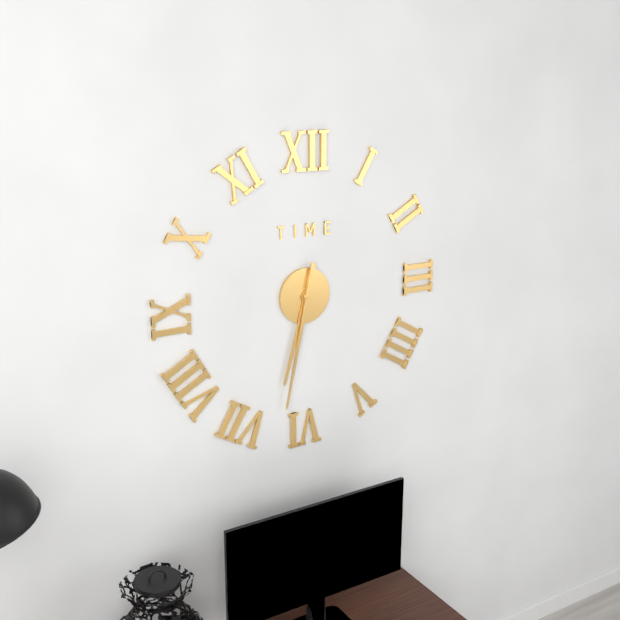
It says 6:32
